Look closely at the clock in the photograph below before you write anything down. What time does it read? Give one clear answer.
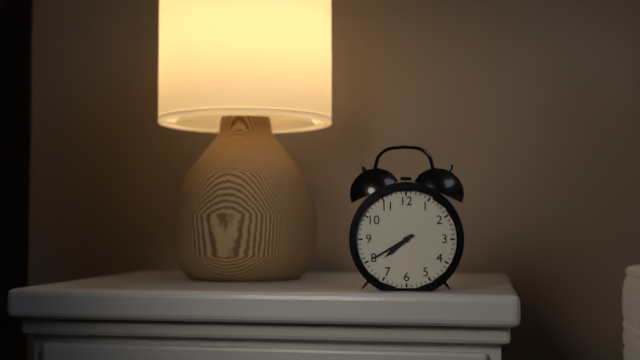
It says 7:40
